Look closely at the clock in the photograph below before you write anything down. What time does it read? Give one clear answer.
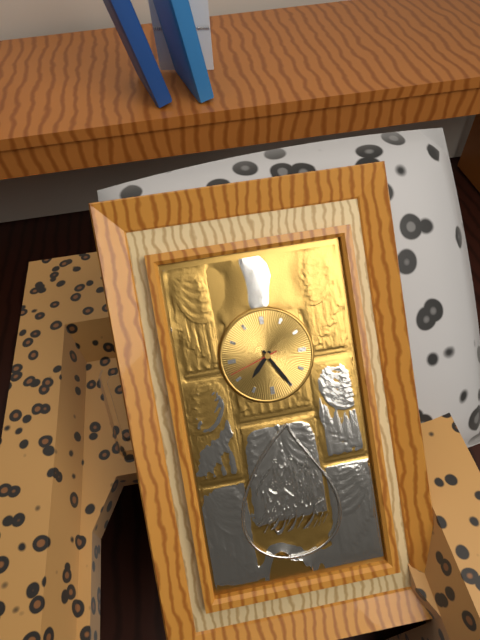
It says 7:25:42
